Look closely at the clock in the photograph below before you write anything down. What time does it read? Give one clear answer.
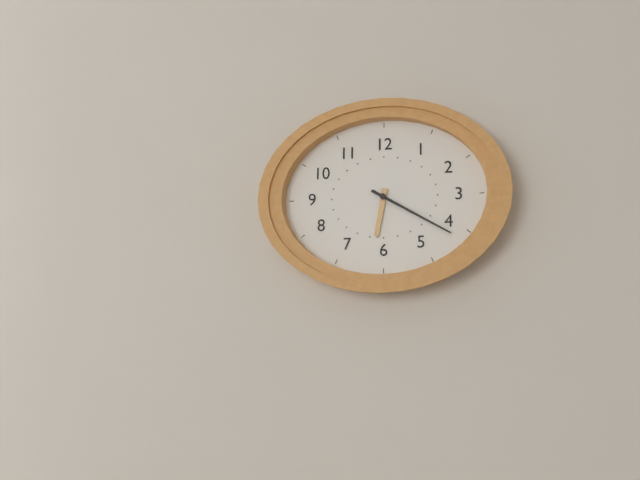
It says 6:20
